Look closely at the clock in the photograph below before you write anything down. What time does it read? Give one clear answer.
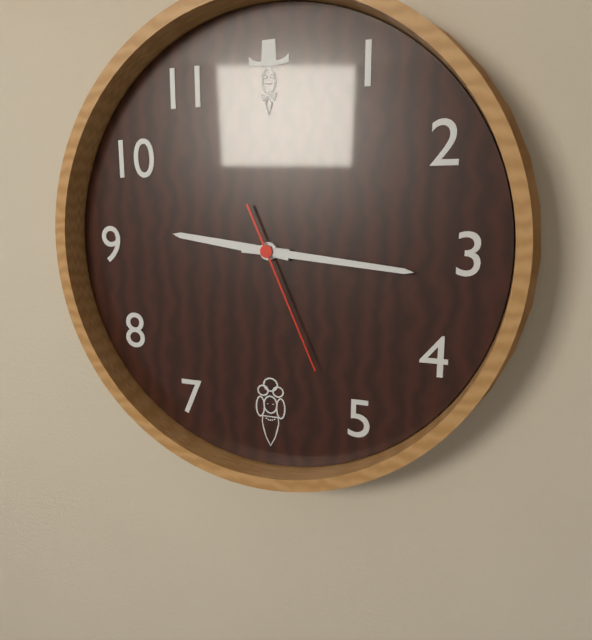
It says 9:16:26
